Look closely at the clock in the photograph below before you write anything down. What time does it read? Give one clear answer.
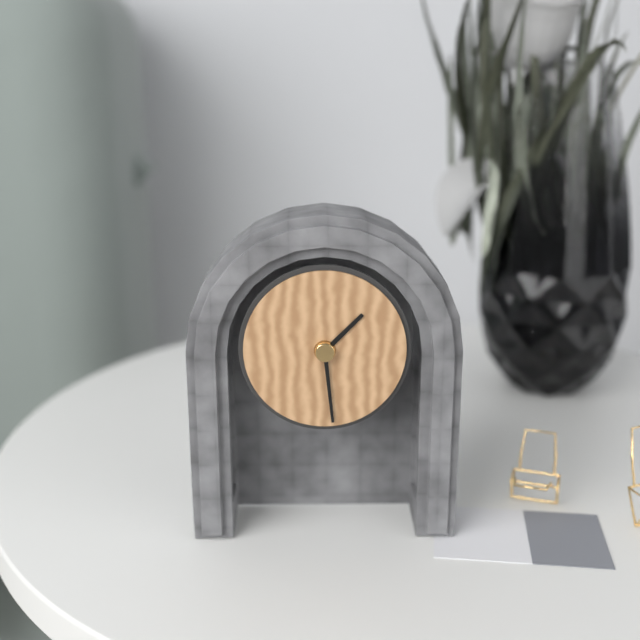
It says 1:29
